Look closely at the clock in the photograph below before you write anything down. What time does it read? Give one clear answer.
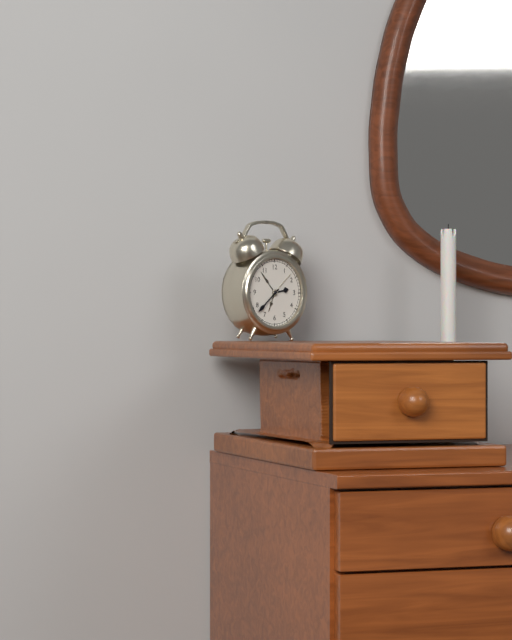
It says 2:38
